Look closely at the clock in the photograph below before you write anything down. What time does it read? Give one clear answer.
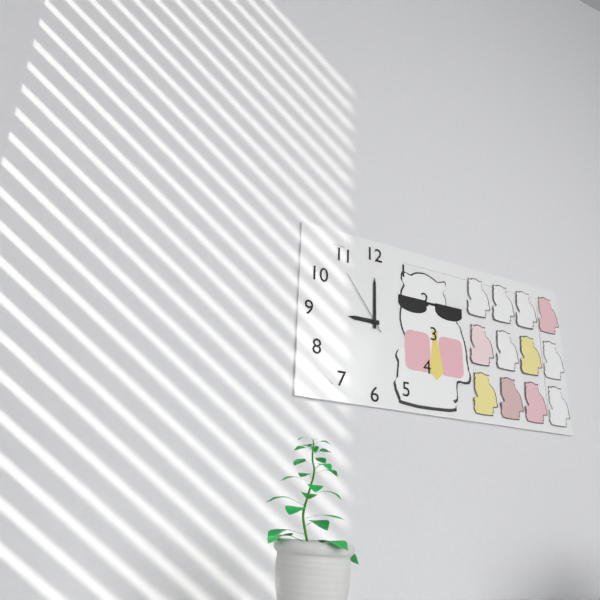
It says 9:00:54
